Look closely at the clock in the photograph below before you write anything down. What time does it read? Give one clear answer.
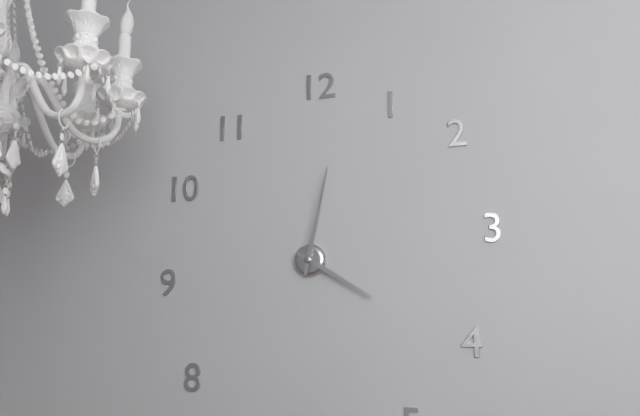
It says 4:02
